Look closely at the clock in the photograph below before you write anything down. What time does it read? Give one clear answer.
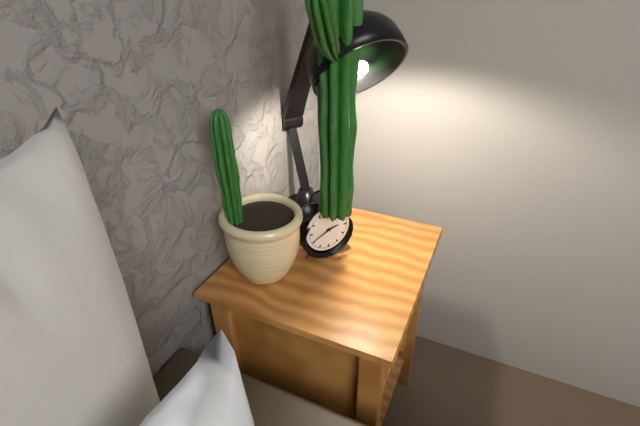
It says 2:41
